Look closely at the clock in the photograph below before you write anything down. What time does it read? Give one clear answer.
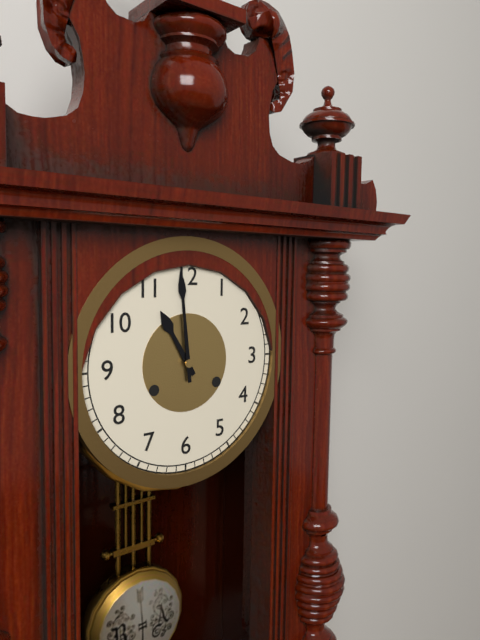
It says 10:59
